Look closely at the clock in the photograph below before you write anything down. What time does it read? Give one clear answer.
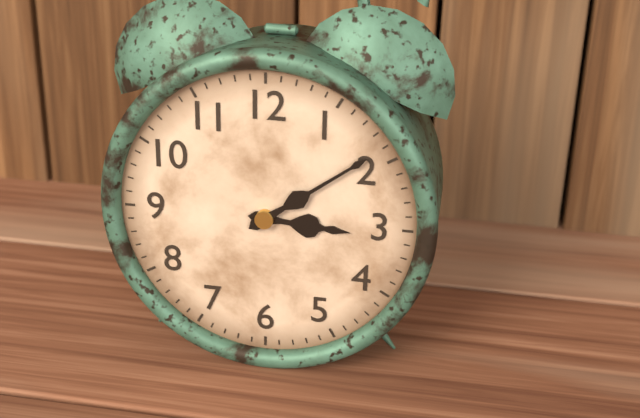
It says 3:09
